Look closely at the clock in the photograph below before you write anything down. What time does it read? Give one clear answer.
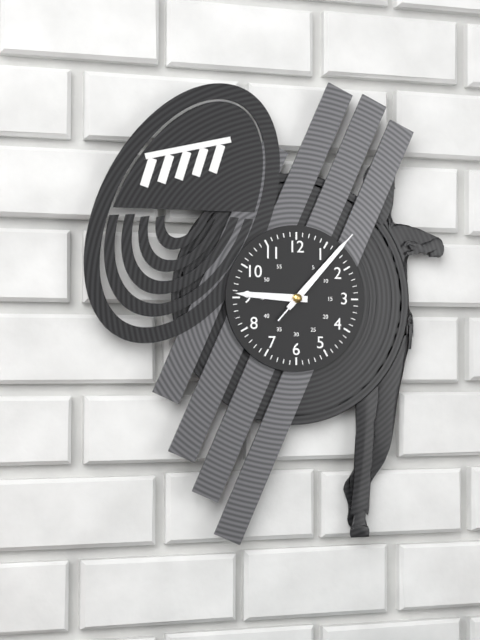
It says 9:07:07
